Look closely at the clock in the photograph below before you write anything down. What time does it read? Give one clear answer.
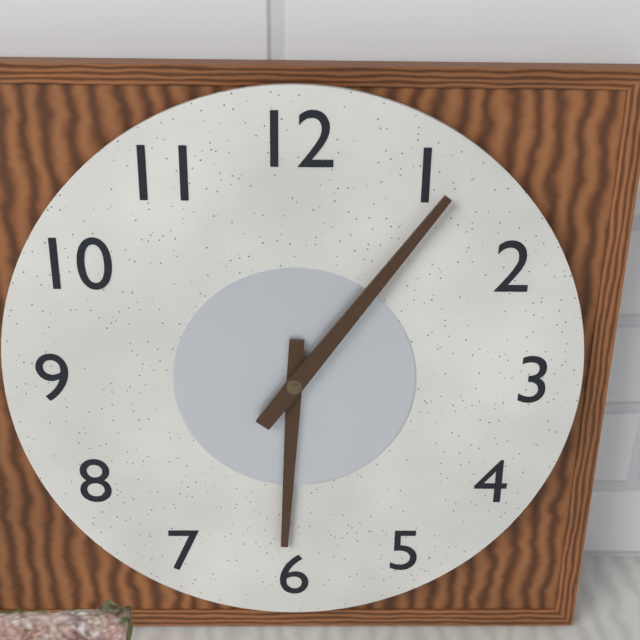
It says 6:06
